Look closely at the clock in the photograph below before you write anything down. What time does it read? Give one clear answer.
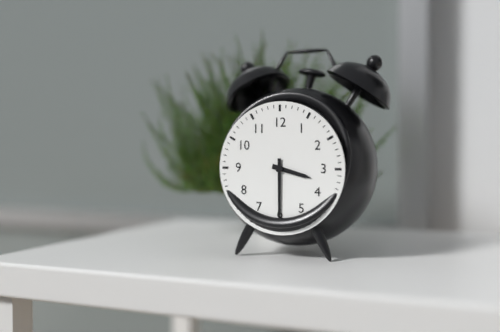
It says 3:30
